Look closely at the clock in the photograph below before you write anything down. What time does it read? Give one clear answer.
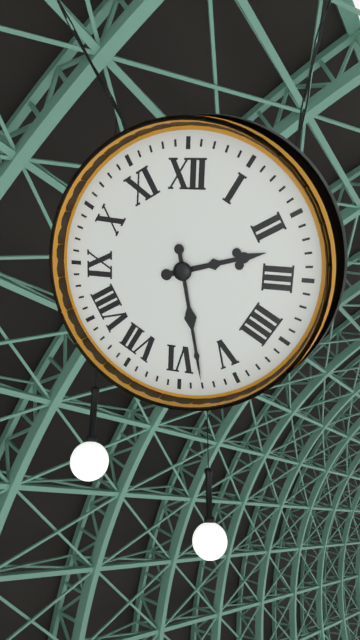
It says 2:28
